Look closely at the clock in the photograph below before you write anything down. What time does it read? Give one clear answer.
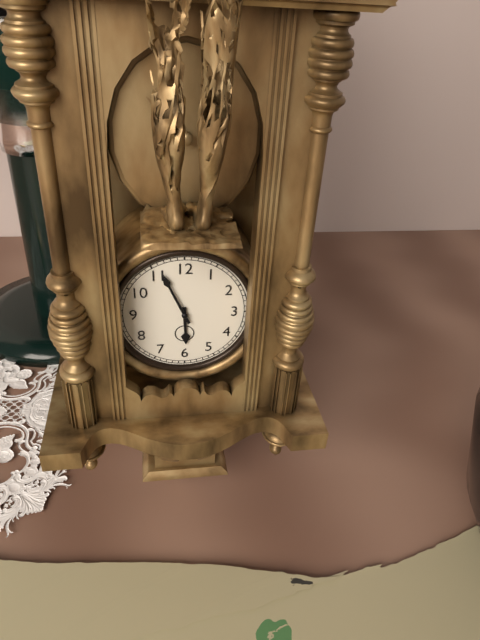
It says 5:56
